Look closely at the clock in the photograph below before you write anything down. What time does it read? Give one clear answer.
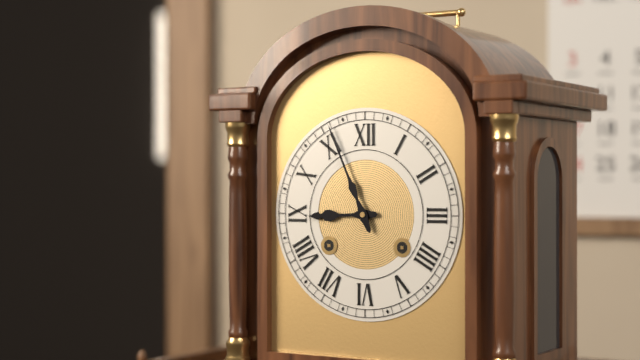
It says 8:56
